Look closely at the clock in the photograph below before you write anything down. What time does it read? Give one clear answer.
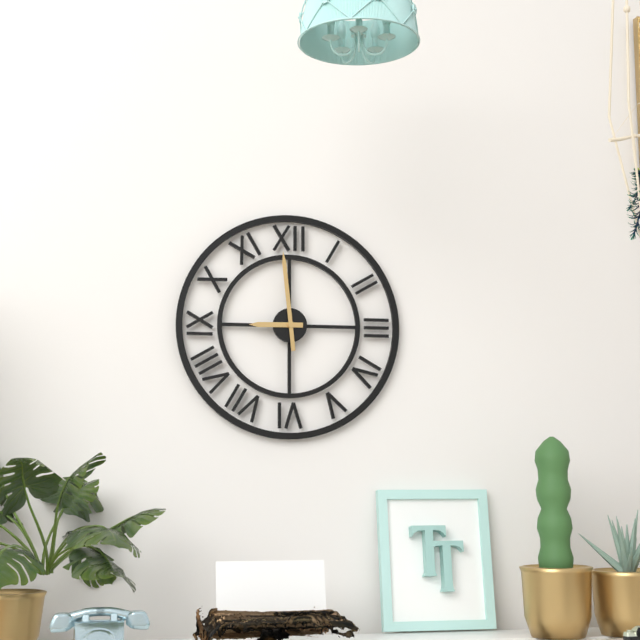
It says 8:59
